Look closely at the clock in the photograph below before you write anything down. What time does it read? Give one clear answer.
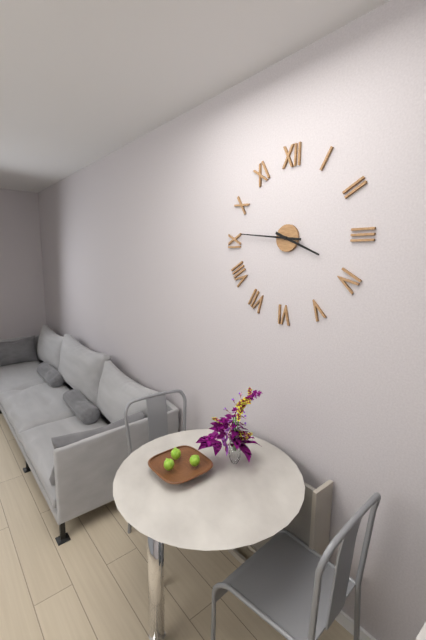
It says 3:46
